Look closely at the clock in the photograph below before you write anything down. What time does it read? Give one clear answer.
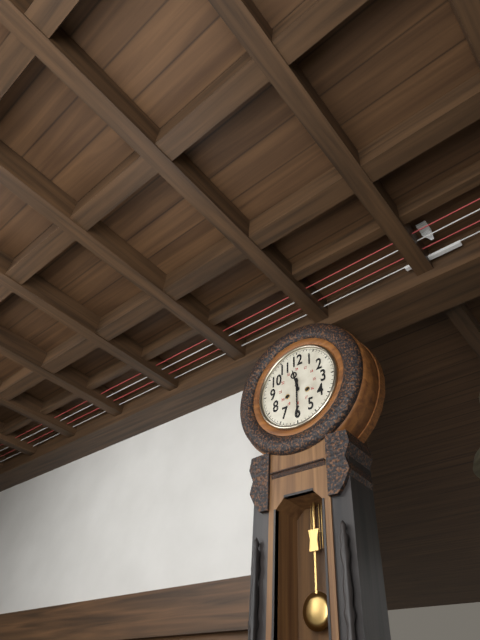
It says 11:30
